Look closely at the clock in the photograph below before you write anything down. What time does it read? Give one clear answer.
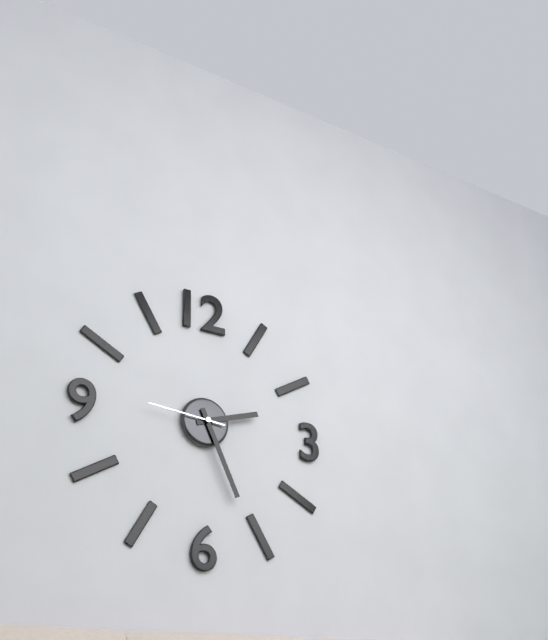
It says 2:26:46
